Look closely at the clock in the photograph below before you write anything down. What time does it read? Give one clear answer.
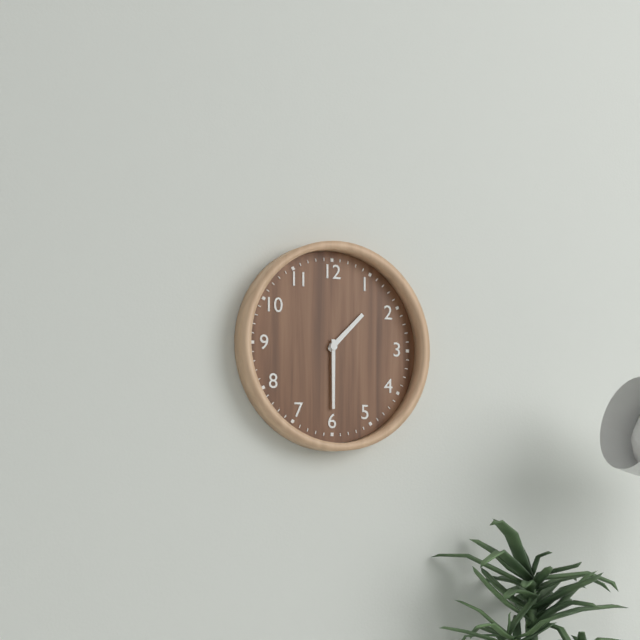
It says 1:30
